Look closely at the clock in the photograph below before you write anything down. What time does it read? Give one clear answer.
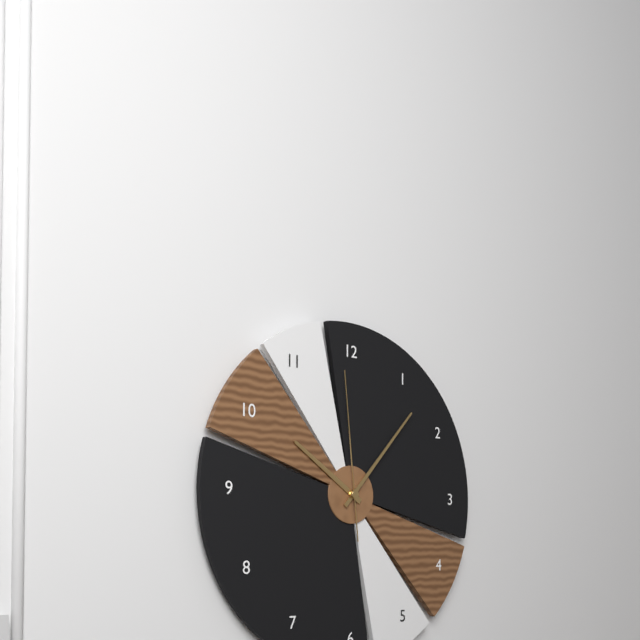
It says 10:07:59
